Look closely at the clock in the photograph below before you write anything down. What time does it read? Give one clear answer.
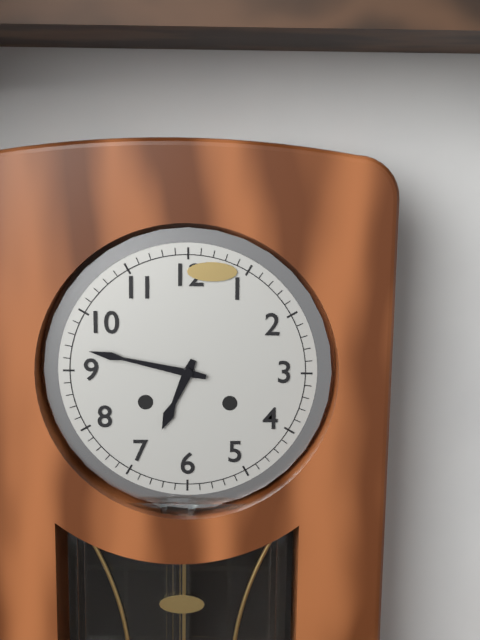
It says 6:47
